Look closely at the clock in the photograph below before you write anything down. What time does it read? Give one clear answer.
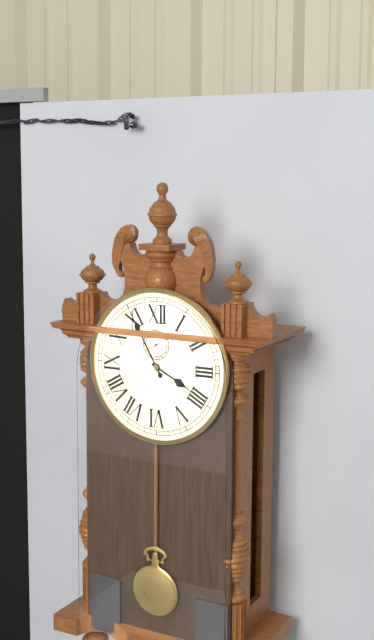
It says 3:55
